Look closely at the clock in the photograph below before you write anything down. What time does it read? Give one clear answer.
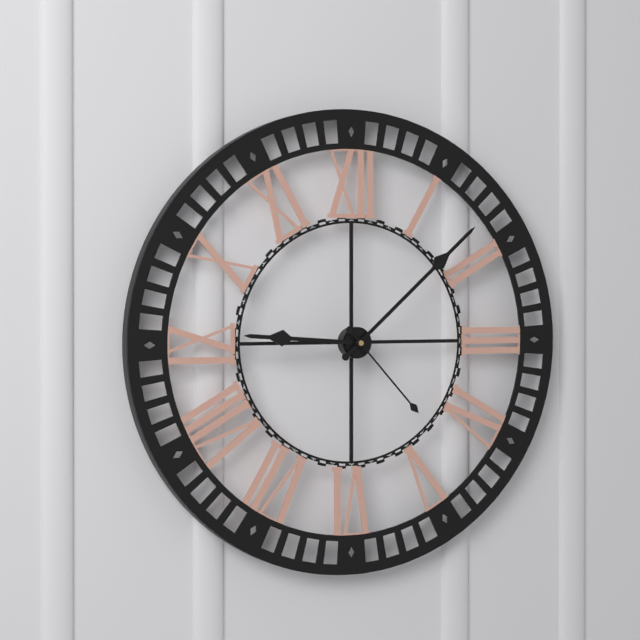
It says 9:08:23
